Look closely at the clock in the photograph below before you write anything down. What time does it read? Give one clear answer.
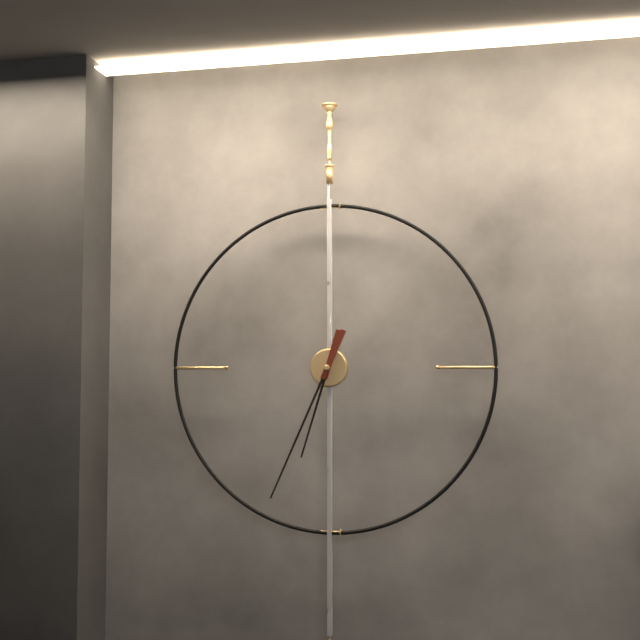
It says 6:34
